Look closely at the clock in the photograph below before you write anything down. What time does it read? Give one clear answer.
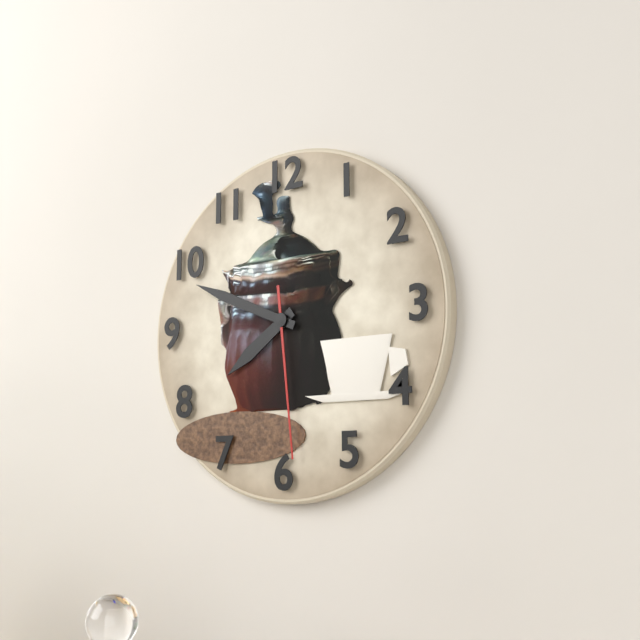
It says 7:49:29
